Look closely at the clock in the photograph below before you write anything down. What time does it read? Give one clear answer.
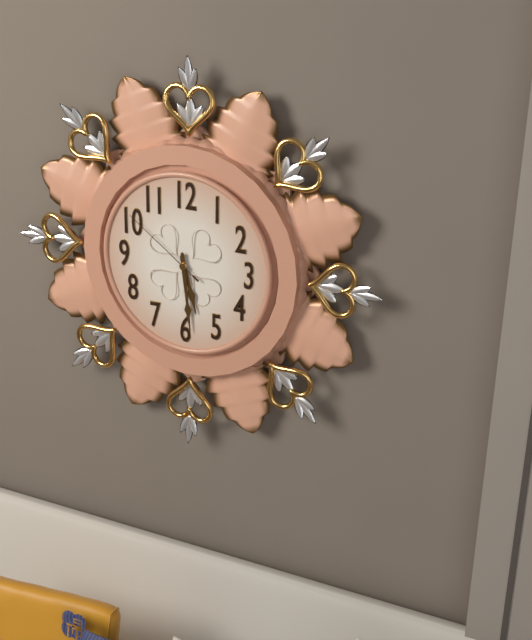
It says 5:29:51
